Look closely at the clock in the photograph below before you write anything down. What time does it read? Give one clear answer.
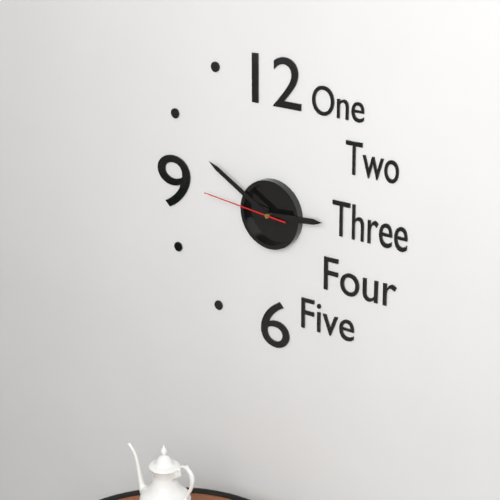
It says 2:50:46
